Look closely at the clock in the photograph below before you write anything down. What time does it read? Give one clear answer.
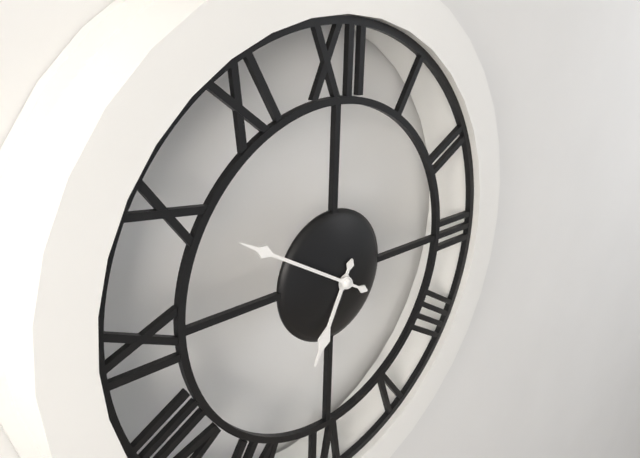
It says 6:50
